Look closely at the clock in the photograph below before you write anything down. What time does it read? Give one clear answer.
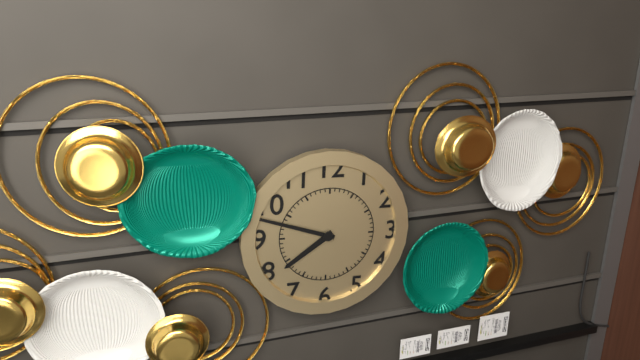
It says 7:48
